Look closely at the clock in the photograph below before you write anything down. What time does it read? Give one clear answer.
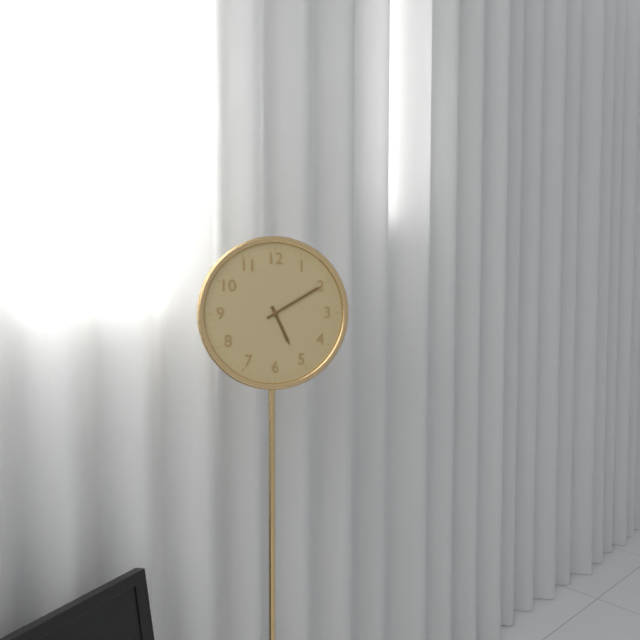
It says 5:10
